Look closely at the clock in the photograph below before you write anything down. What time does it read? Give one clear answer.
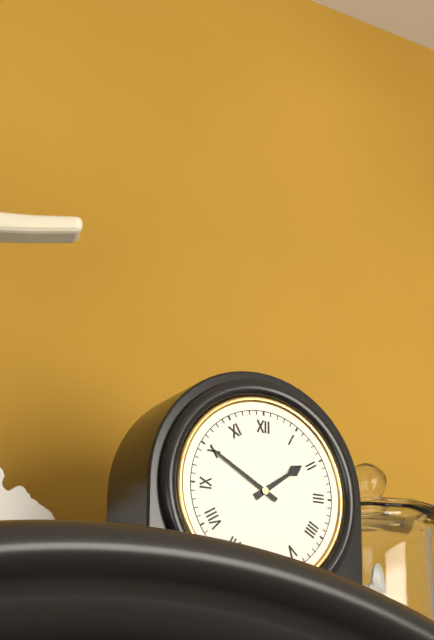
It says 1:50
